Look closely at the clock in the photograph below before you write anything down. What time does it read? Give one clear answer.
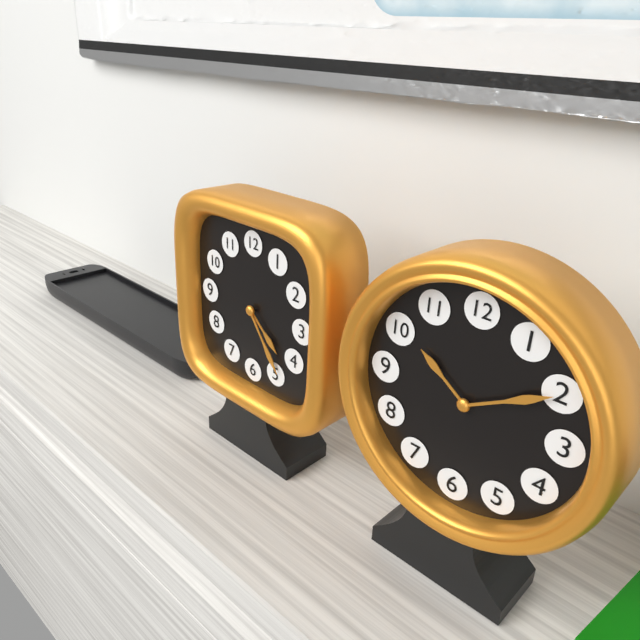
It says 4:24
